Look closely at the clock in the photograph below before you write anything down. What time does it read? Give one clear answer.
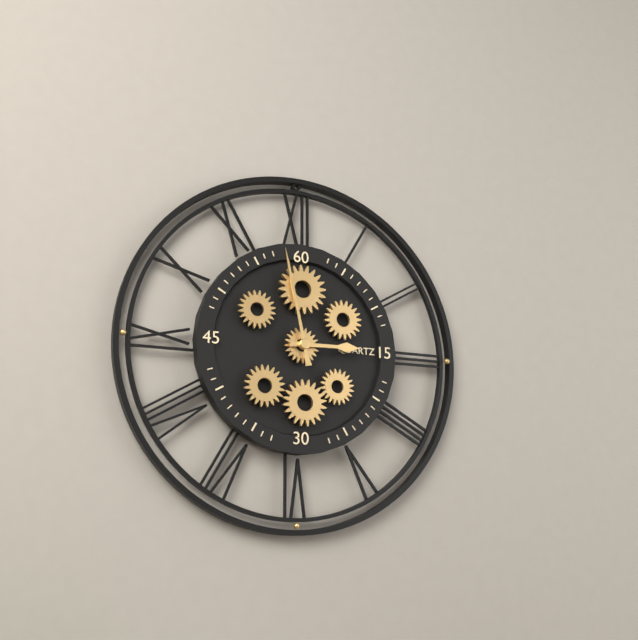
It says 2:58
